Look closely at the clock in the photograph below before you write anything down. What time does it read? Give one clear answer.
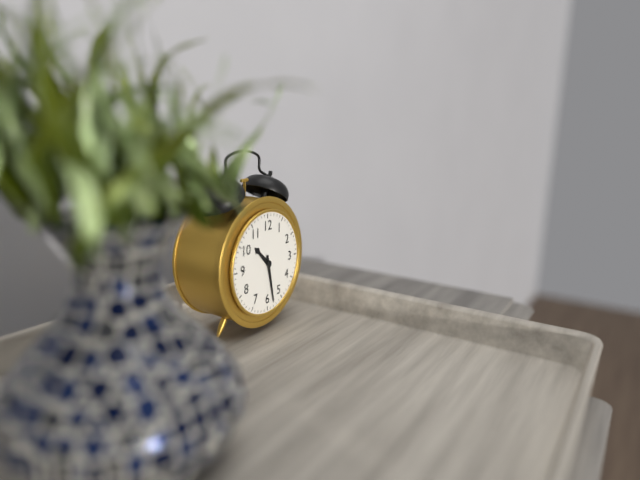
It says 10:28
